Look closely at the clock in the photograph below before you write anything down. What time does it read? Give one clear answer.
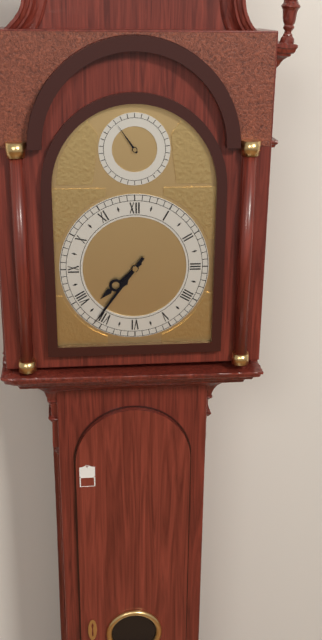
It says 7:36
